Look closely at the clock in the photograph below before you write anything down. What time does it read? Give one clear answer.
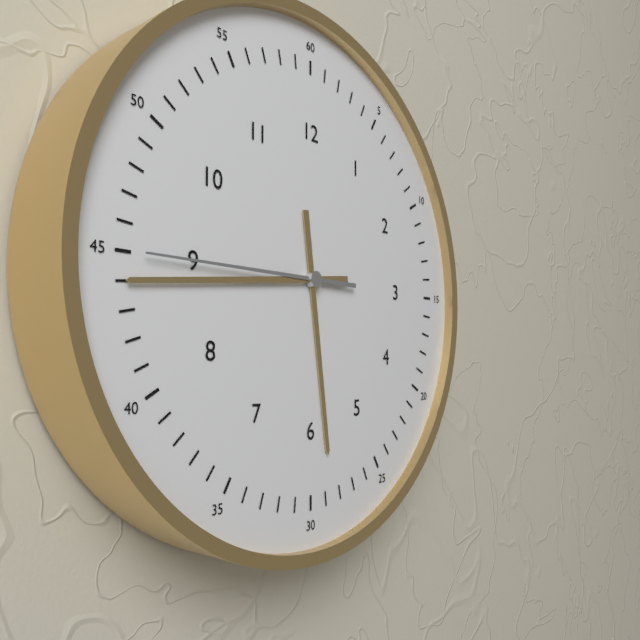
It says 5:44:45
